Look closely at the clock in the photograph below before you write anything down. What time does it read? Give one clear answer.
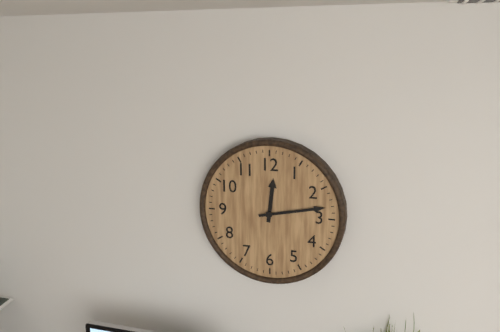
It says 12:13
